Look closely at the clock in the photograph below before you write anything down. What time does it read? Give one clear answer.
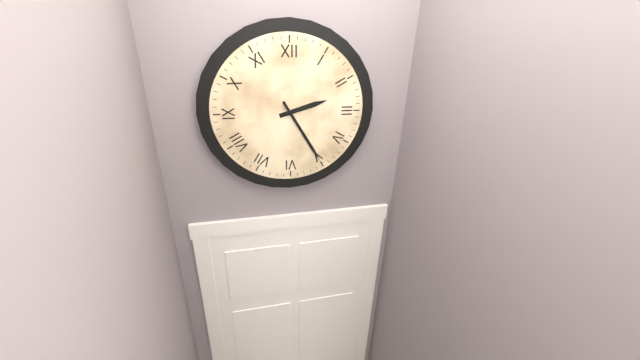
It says 2:25
